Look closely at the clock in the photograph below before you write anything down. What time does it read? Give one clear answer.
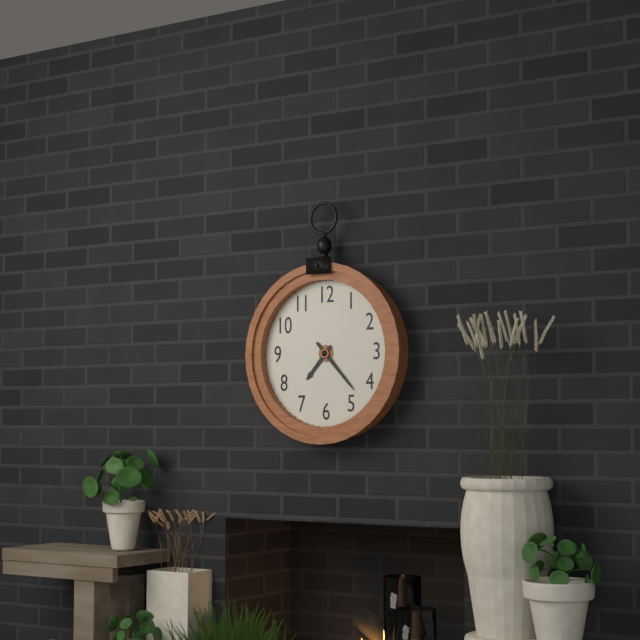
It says 7:23
